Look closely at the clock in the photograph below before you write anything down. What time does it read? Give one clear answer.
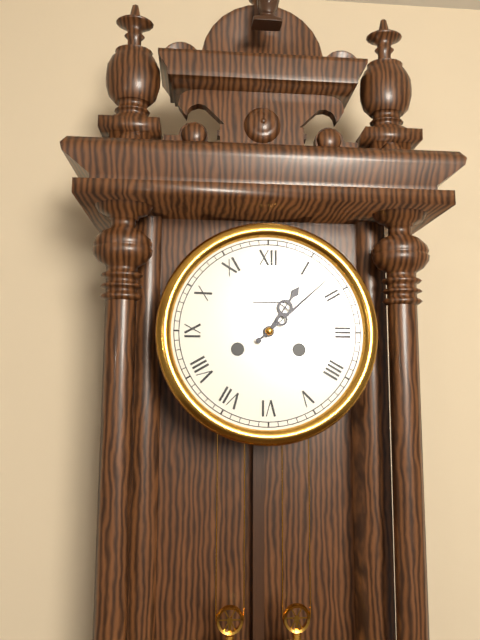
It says 1:08
